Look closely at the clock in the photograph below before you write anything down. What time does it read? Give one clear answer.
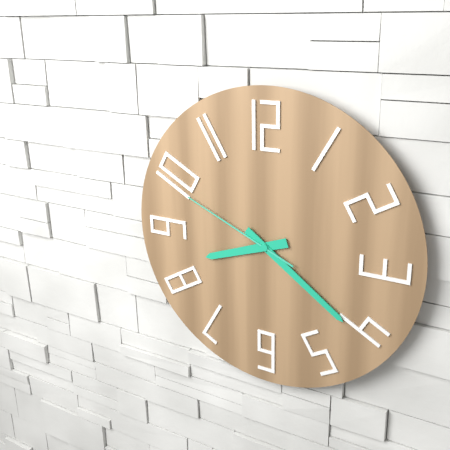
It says 8:21:49
